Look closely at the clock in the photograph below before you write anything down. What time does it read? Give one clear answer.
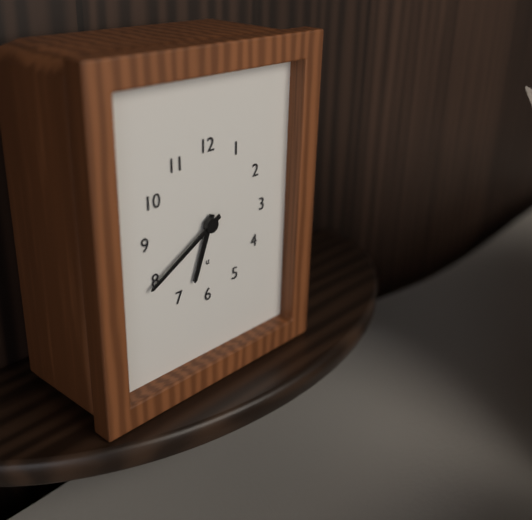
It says 6:40
